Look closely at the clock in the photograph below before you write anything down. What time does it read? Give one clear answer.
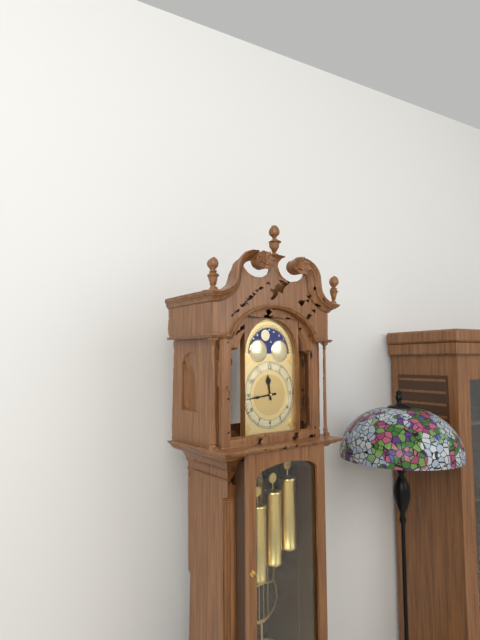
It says 11:44
